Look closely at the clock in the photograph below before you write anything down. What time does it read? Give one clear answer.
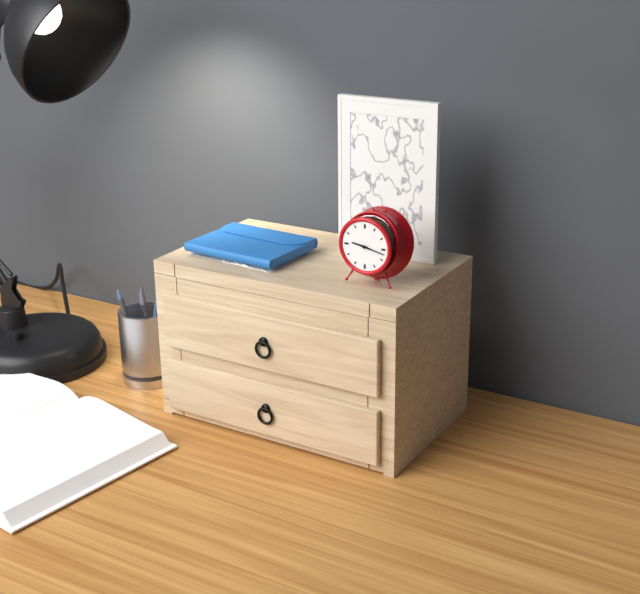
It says 9:17
